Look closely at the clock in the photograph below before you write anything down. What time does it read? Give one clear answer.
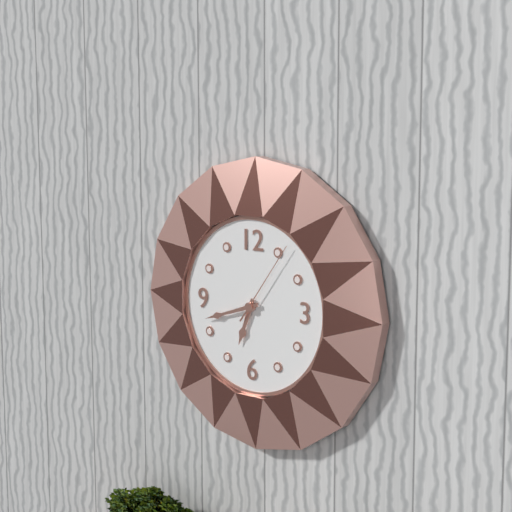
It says 6:42:06
